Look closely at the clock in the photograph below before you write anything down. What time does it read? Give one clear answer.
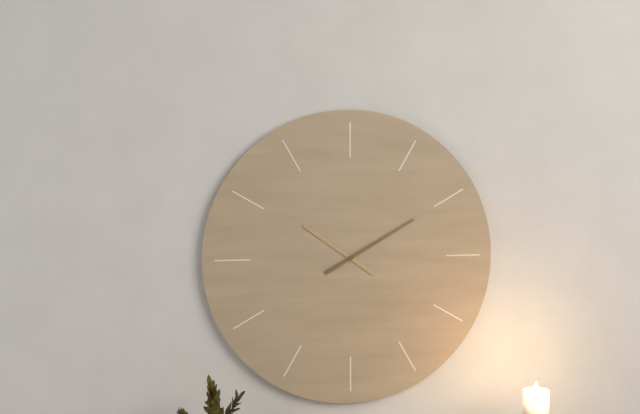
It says 10:10
